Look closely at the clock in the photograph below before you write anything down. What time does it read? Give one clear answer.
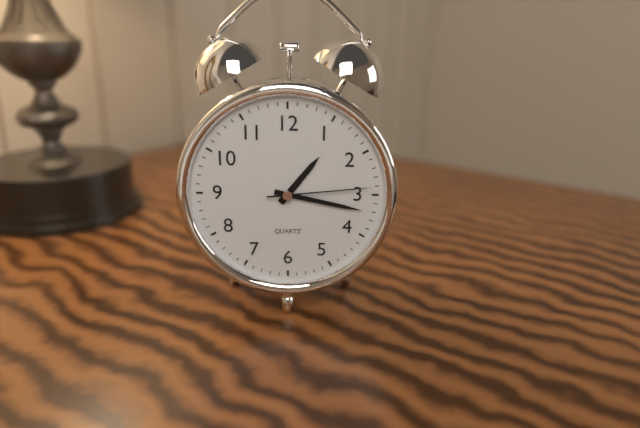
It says 1:17:14
